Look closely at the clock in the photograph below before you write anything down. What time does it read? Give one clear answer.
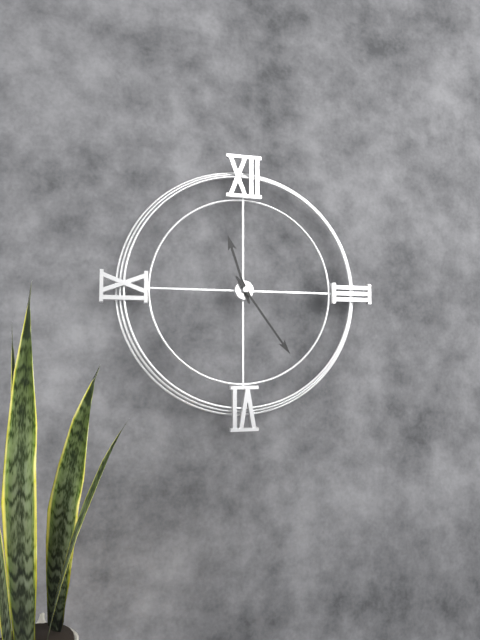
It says 11:24
